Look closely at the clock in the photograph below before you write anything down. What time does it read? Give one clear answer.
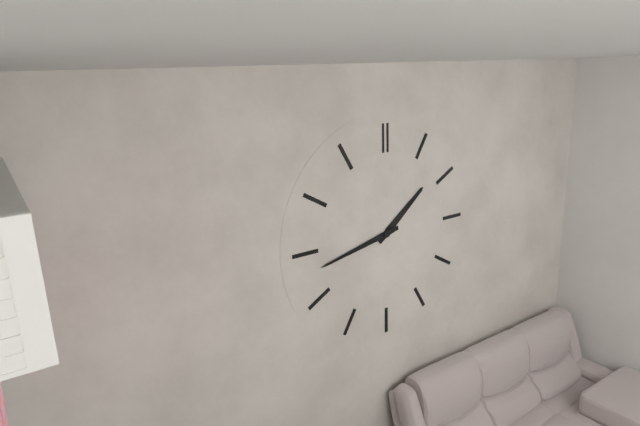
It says 1:43
